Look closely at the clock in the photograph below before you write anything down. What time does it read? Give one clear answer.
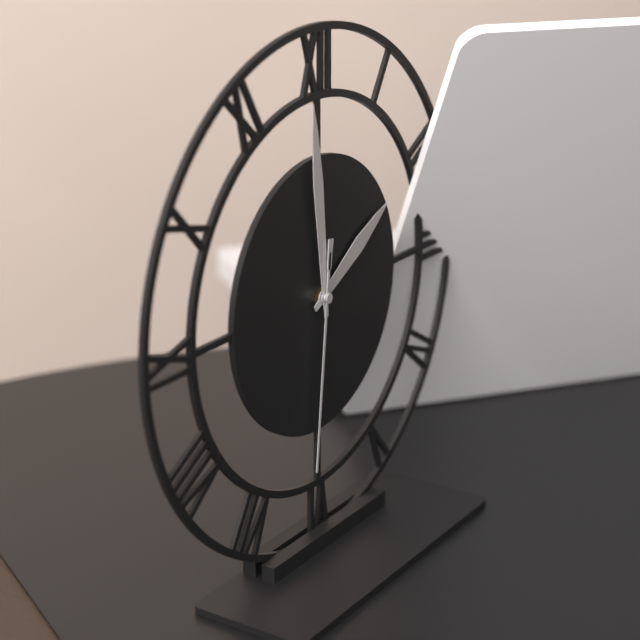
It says 1:59:31
